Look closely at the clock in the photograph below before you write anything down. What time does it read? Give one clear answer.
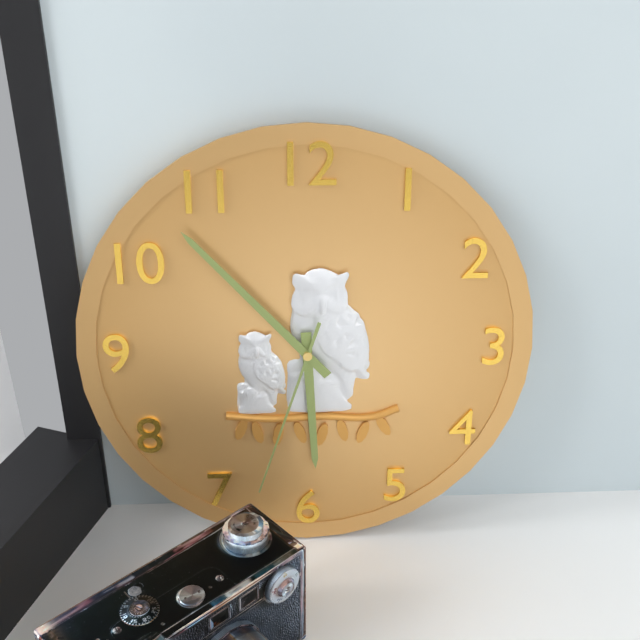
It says 5:53:33
